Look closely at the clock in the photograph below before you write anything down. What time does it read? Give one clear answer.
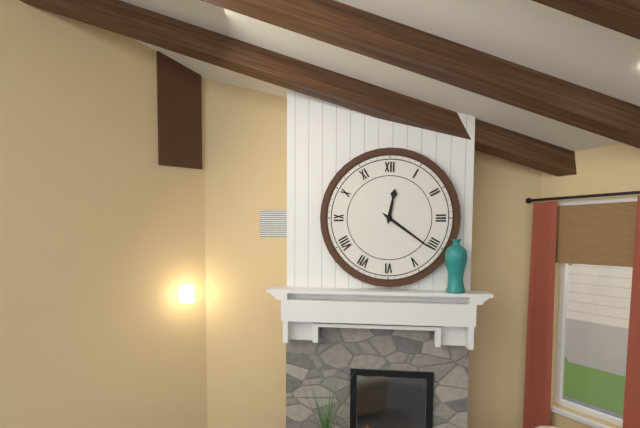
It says 12:21
